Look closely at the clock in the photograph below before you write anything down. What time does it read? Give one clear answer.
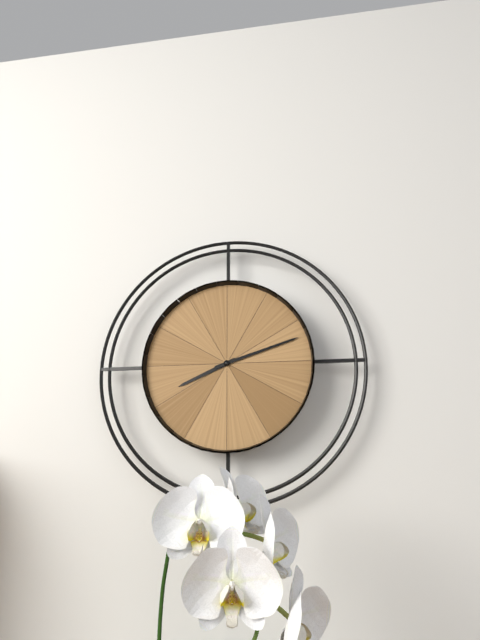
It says 8:12
